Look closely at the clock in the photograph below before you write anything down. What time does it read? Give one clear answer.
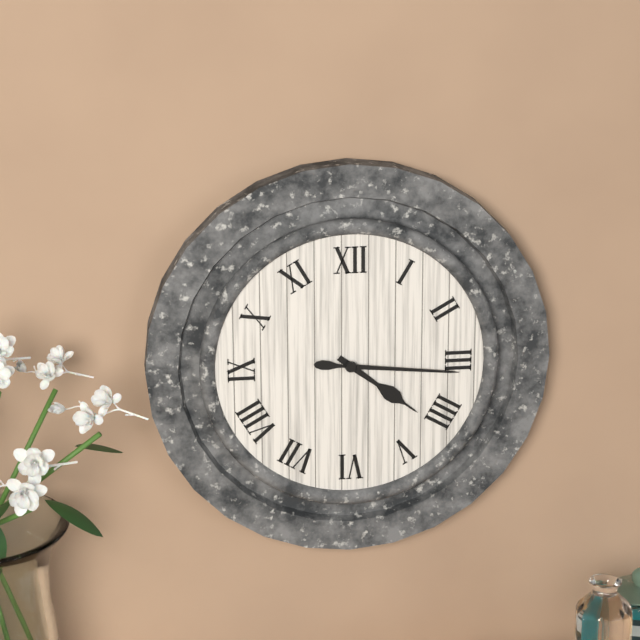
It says 4:16
